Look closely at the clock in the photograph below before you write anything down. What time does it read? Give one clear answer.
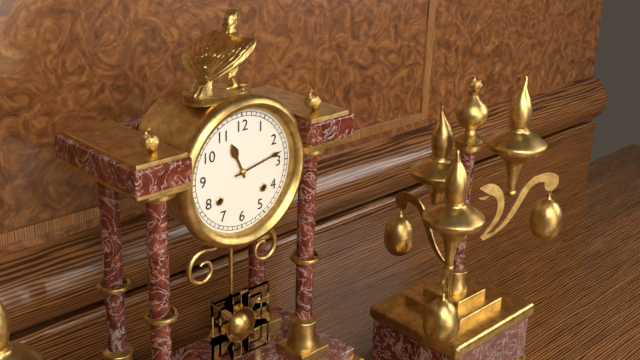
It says 11:13
